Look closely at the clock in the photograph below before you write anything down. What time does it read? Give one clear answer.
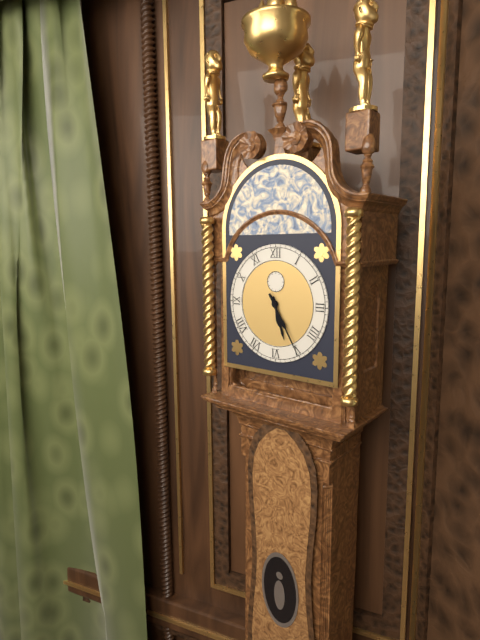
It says 5:25
